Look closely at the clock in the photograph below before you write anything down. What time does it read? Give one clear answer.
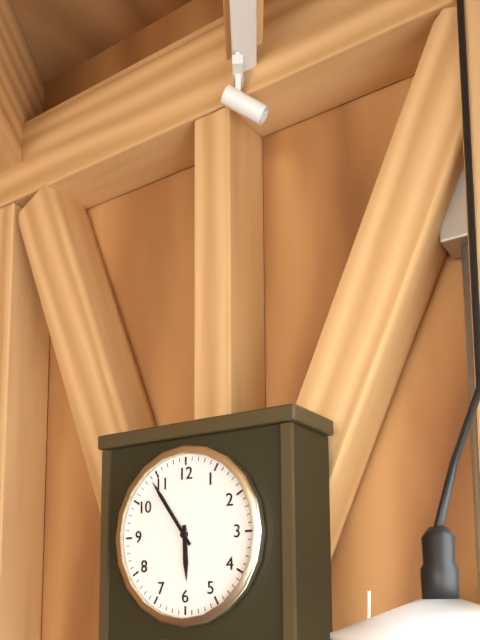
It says 5:54
